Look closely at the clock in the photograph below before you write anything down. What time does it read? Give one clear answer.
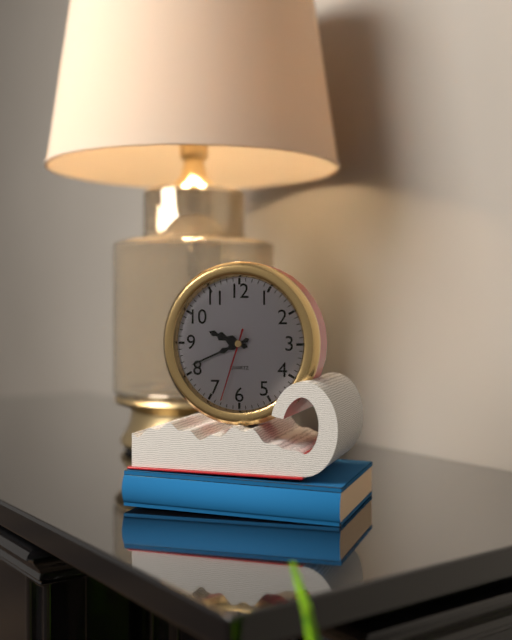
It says 9:41:33
